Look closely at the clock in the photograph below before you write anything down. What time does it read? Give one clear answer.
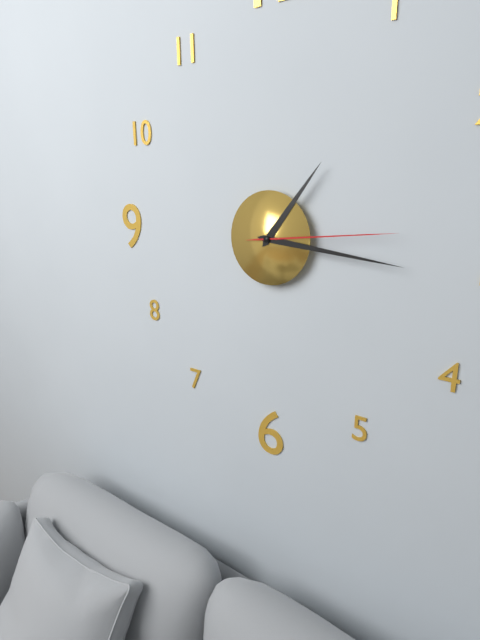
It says 1:16:14
